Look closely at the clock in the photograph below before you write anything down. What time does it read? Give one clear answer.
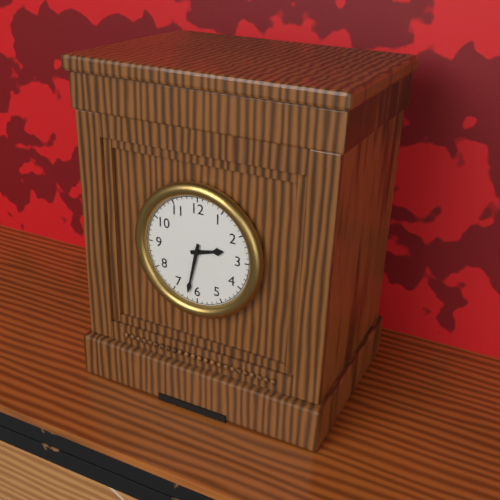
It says 2:32
